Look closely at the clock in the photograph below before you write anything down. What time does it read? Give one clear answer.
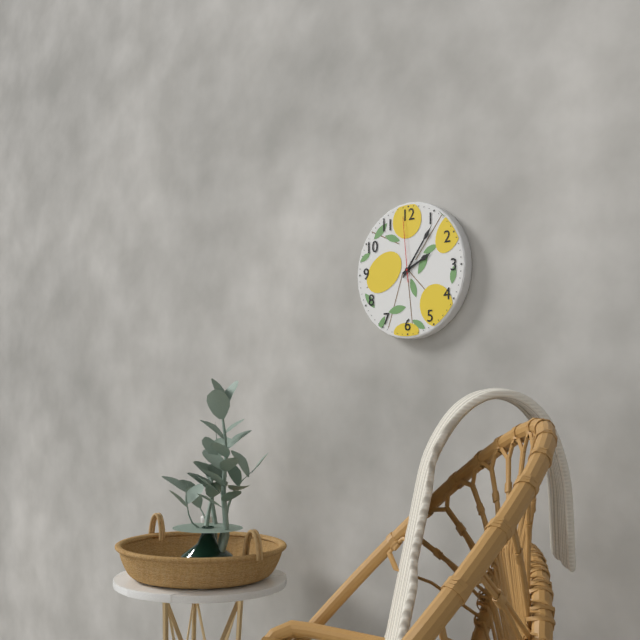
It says 2:06:59
